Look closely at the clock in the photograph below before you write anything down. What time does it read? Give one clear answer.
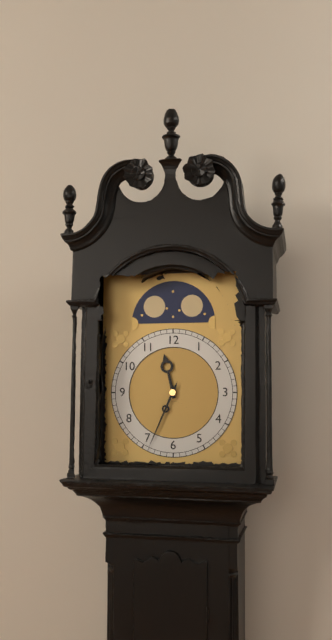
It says 11:34
